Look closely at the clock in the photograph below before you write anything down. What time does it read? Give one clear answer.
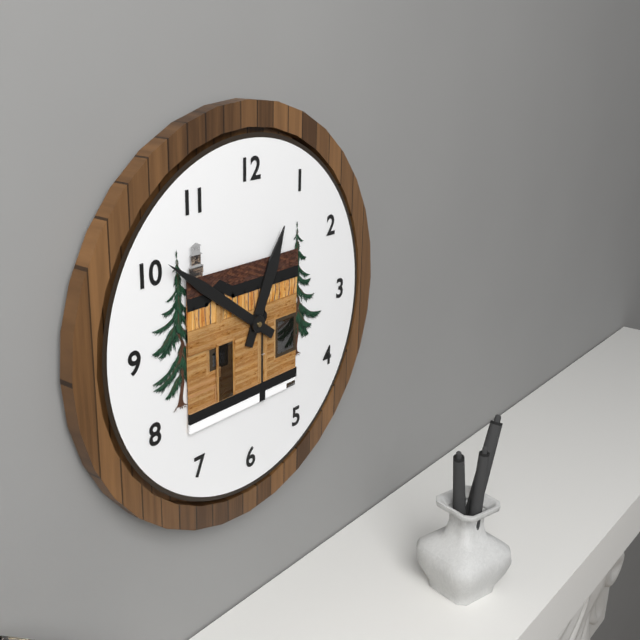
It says 12:51
